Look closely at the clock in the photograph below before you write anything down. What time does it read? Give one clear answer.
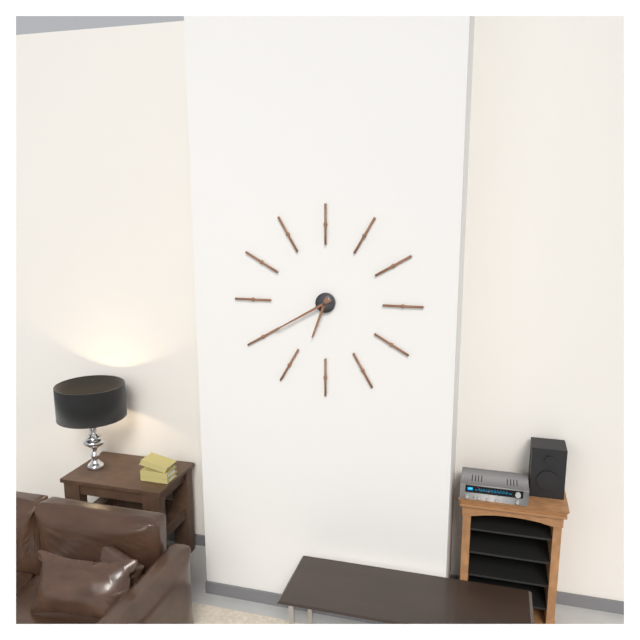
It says 6:40
